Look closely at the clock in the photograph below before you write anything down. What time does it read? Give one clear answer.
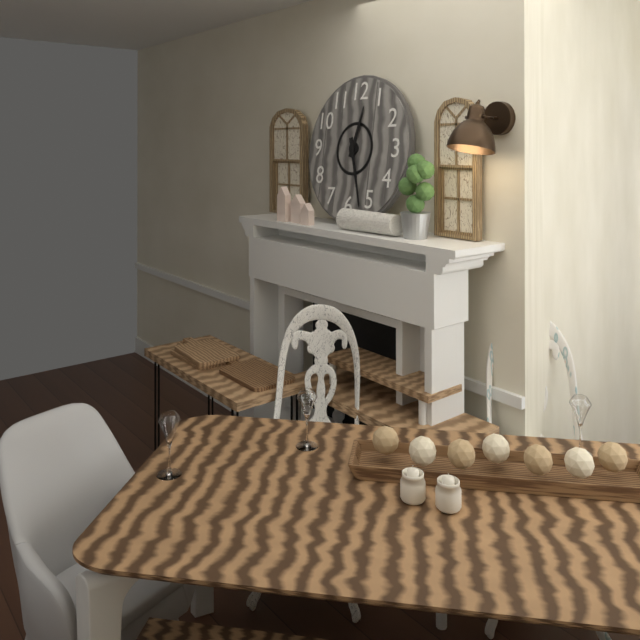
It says 12:27
